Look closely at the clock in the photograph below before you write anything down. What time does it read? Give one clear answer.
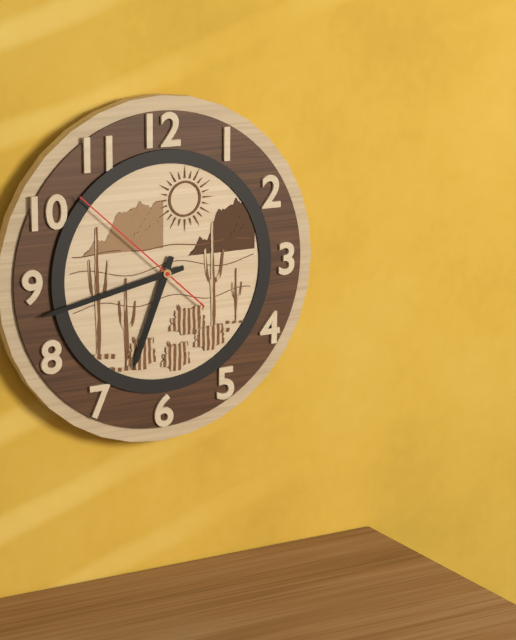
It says 6:43:52
